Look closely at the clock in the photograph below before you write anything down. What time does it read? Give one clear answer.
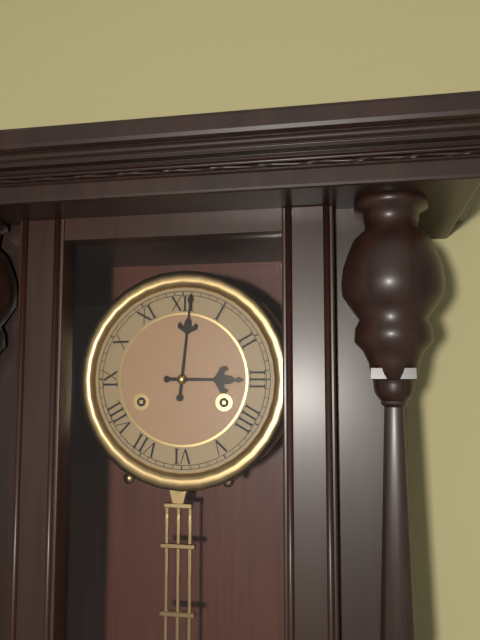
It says 3:01
